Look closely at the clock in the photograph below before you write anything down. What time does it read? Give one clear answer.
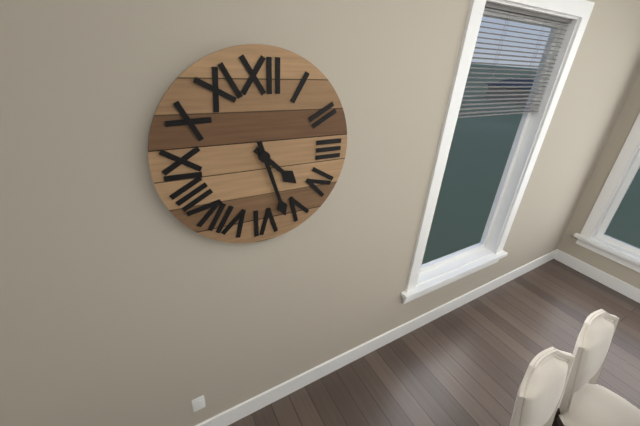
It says 4:27
